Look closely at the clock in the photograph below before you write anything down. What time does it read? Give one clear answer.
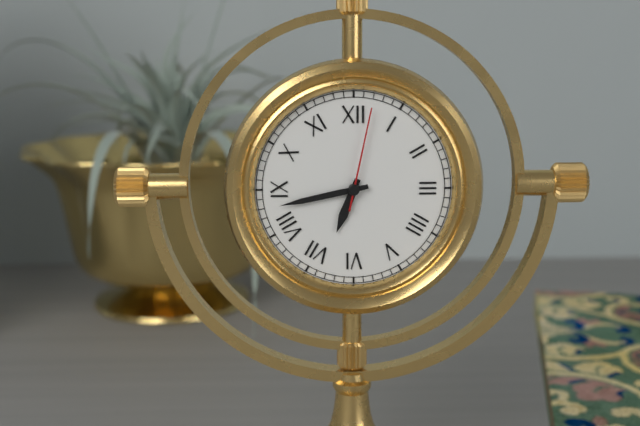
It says 6:43:02
